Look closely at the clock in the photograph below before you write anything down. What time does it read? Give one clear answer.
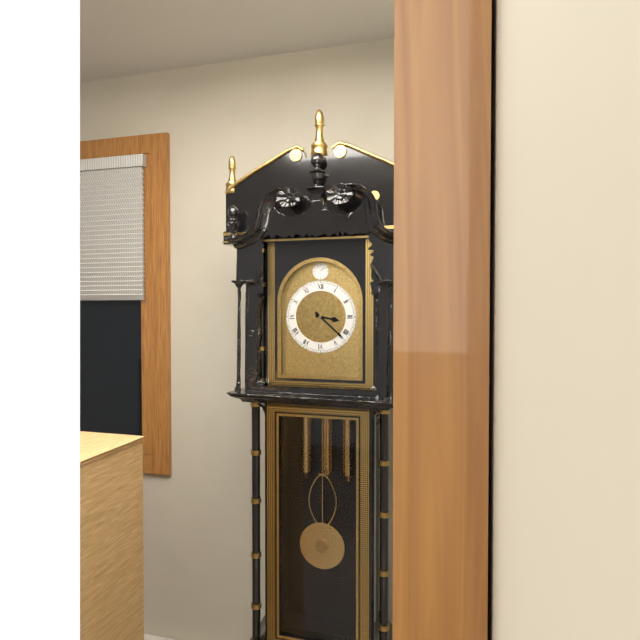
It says 3:22
